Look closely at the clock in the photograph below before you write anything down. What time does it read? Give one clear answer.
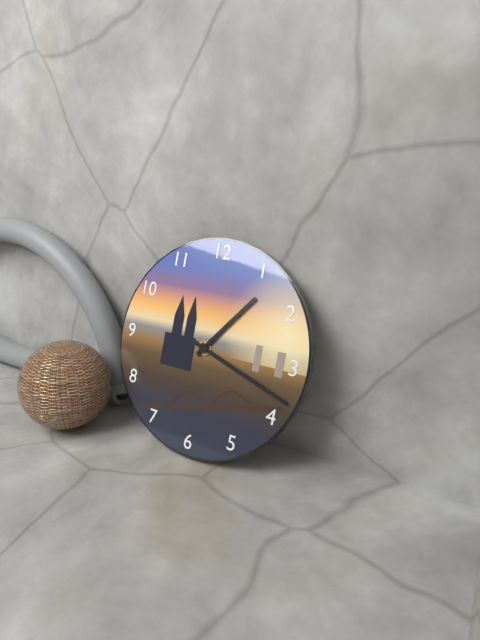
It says 1:18
